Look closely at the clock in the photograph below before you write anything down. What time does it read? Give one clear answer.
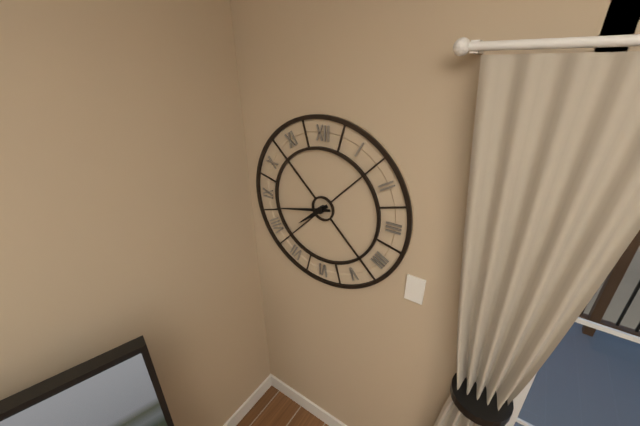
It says 7:43
